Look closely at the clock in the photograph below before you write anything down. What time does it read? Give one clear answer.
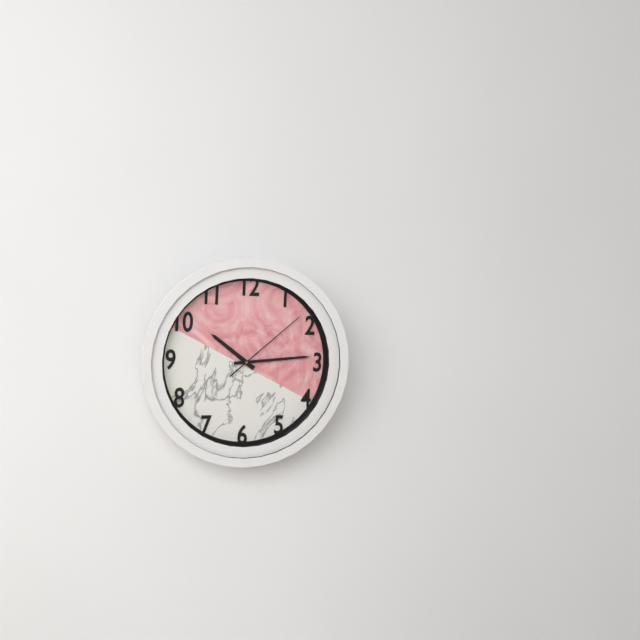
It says 10:14:08
